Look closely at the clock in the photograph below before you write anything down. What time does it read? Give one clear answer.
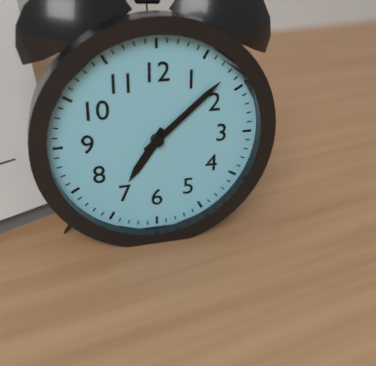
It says 7:08
